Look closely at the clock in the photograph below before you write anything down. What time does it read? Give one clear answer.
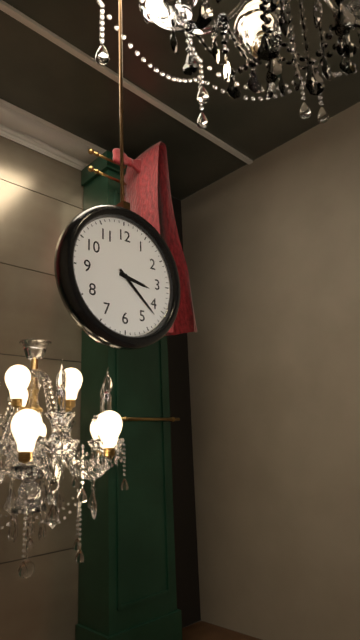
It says 3:22
